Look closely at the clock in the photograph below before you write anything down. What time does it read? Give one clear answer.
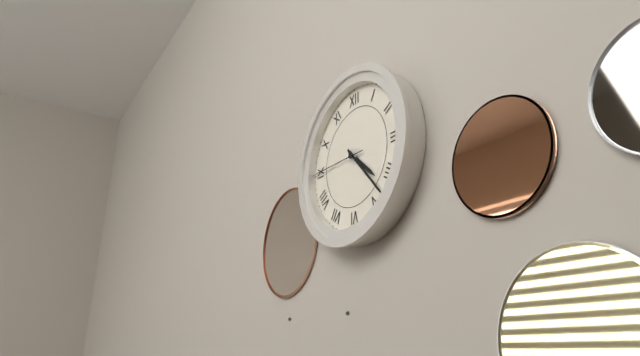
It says 4:23:45
